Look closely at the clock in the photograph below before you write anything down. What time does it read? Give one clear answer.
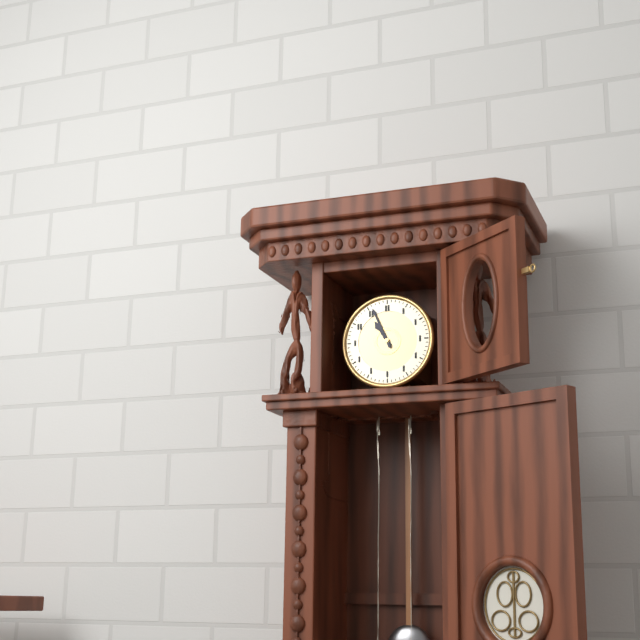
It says 10:56
